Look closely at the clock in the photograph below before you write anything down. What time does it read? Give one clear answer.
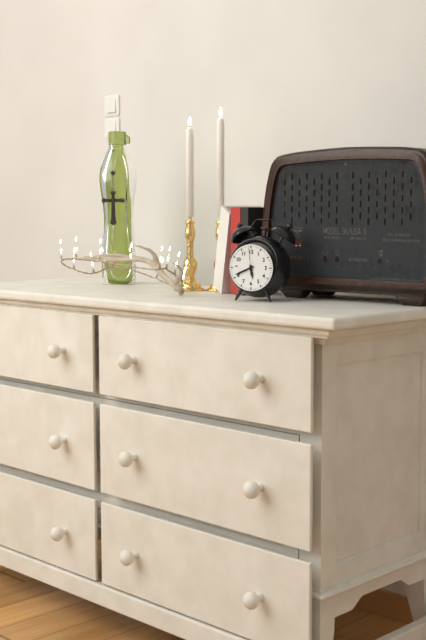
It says 5:41
